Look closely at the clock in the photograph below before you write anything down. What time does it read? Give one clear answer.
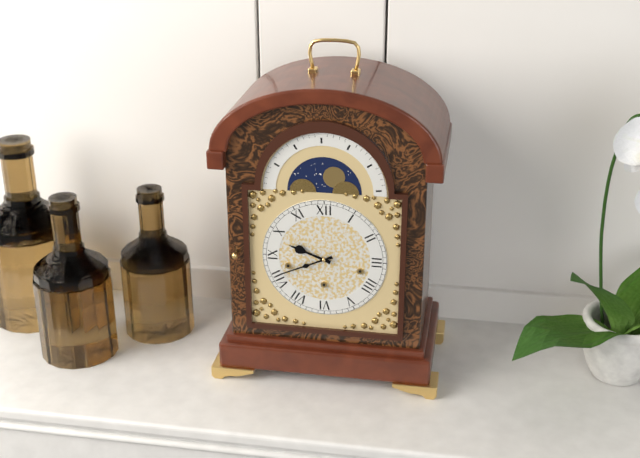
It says 9:41
